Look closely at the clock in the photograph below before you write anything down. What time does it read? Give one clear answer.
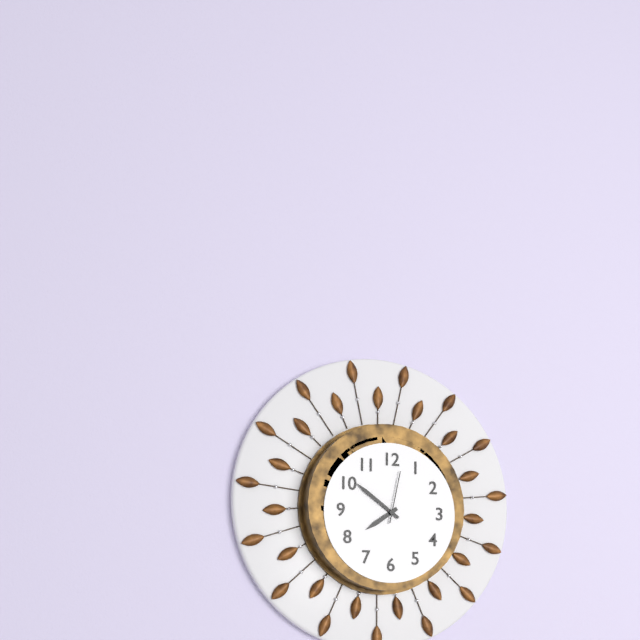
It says 7:51:02
